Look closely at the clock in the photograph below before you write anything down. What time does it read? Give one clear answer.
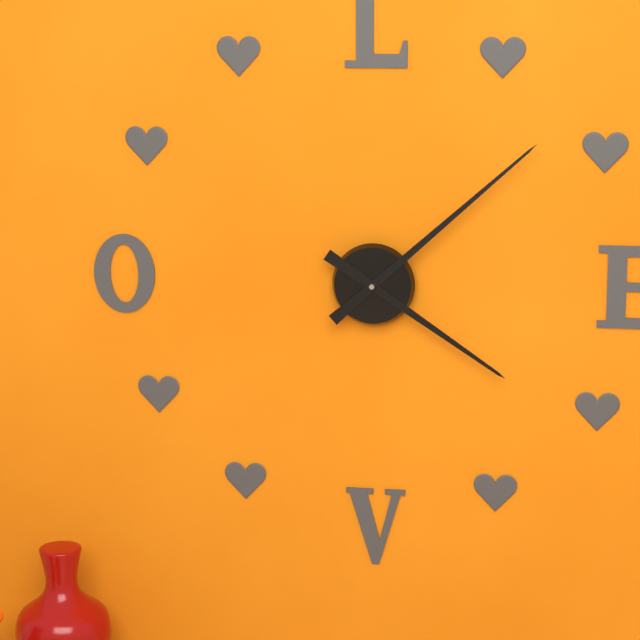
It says 4:08
